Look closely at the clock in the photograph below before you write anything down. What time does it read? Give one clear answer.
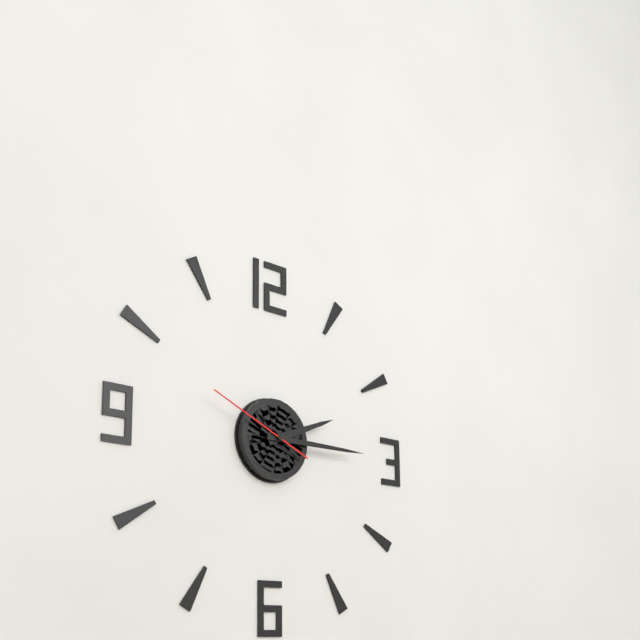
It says 2:15:49
